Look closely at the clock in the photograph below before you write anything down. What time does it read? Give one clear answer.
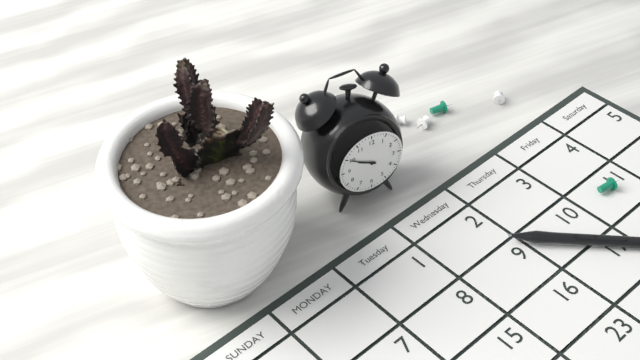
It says 9:50
